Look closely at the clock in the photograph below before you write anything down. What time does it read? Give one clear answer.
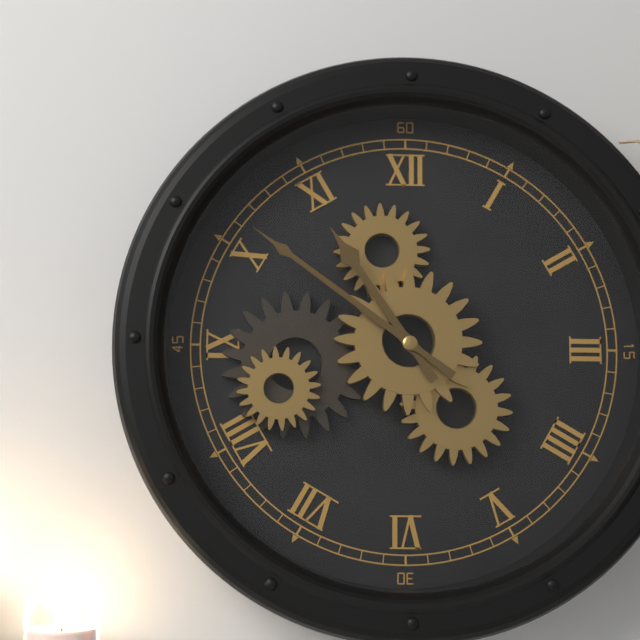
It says 10:51
